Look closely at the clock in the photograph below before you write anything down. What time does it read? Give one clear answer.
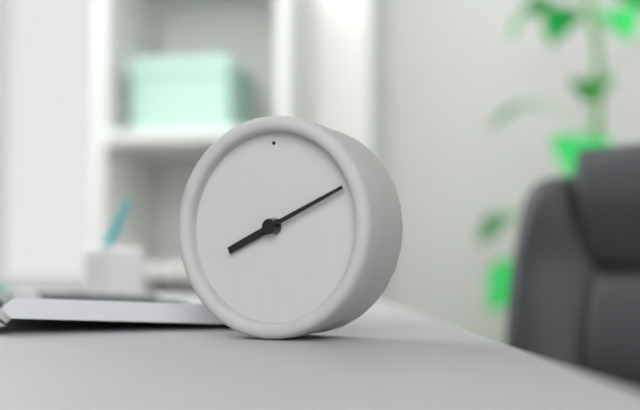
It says 8:11
